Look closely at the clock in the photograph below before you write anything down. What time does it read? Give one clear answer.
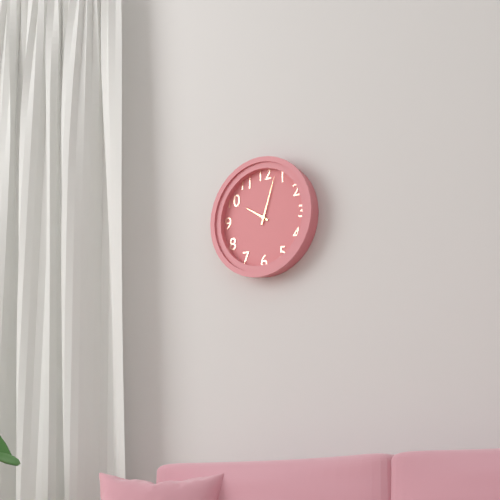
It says 10:03
